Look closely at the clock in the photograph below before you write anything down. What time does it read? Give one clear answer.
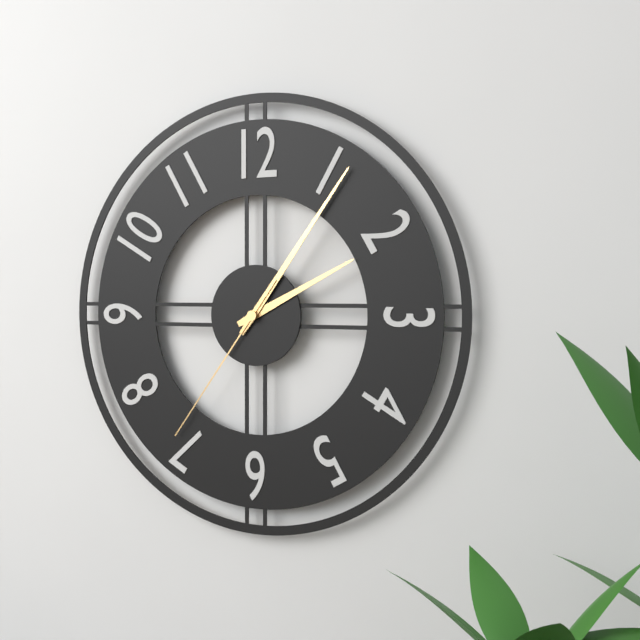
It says 2:06:36
